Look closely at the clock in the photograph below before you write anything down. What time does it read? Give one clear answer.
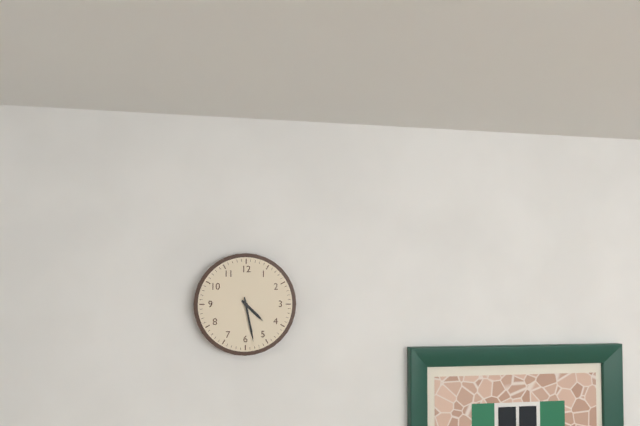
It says 4:28
